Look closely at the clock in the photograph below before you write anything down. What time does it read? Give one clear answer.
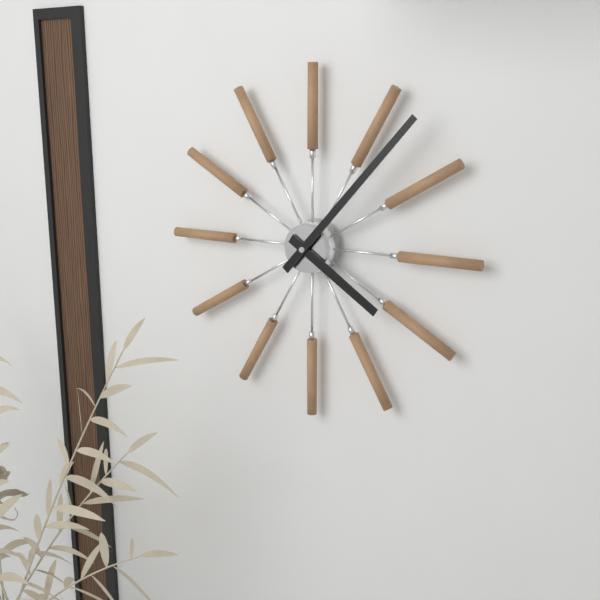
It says 4:07
